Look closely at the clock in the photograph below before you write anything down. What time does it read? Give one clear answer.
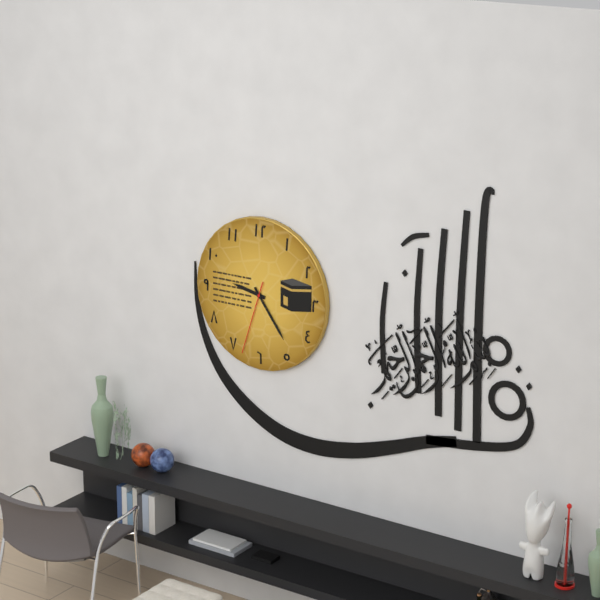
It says 9:24:33
